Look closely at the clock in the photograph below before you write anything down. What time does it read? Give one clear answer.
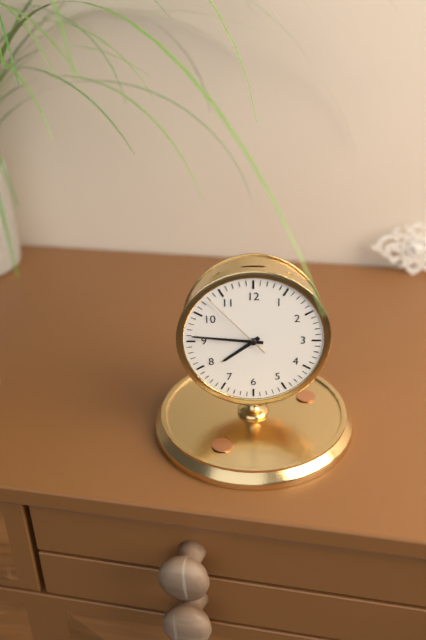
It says 7:46:53
